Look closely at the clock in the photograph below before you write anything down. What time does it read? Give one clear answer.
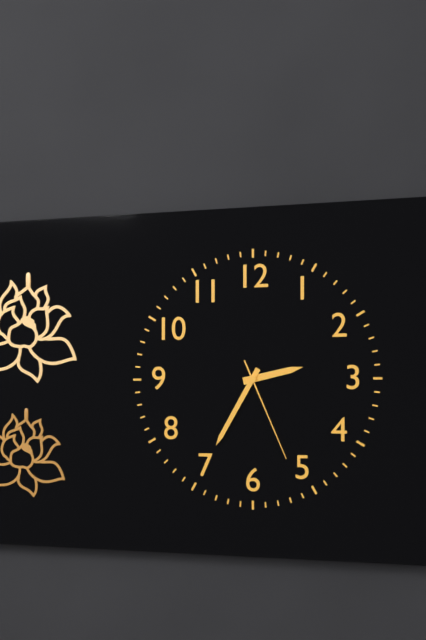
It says 2:35:26
